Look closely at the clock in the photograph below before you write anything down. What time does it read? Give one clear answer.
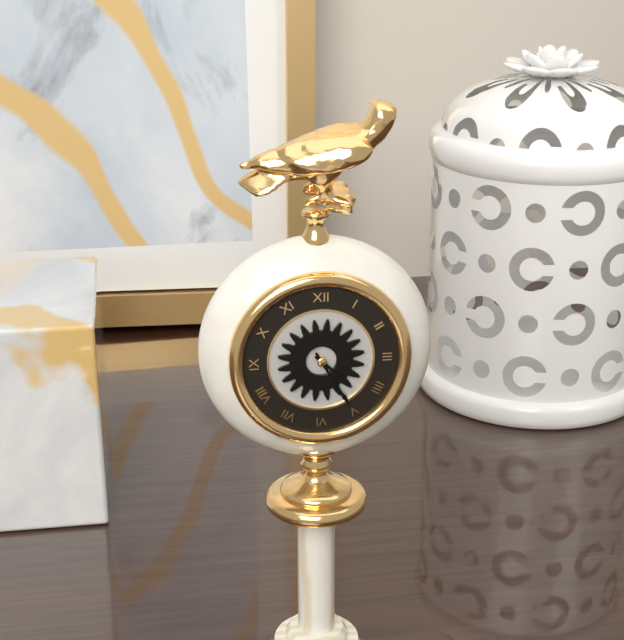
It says 4:25
